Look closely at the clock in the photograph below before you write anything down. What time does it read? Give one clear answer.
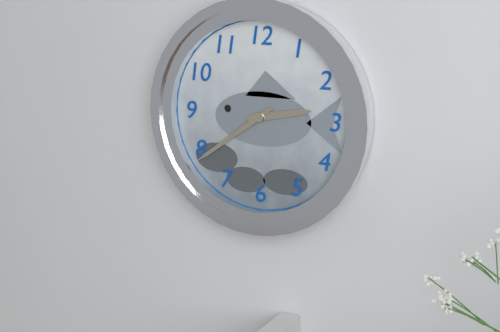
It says 2:39
